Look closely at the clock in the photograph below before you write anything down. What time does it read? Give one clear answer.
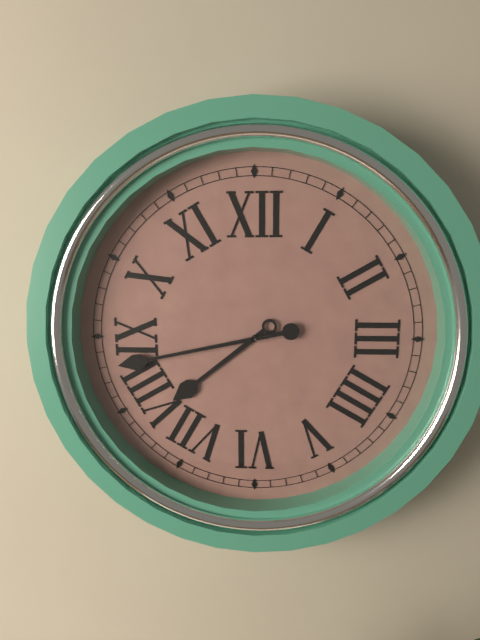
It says 7:43
